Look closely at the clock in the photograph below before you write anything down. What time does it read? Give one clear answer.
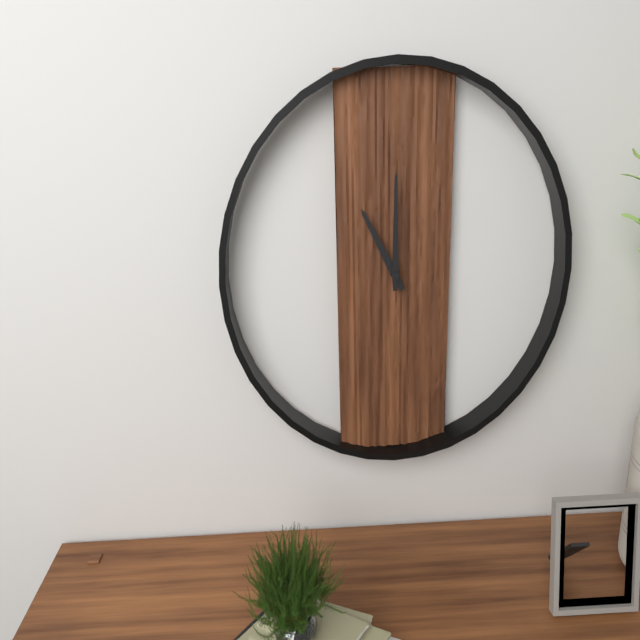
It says 11:00
